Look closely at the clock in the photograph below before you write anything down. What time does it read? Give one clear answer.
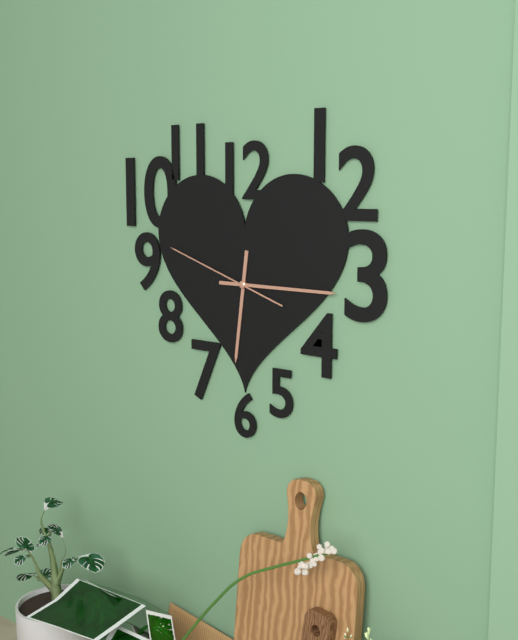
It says 6:15:48
